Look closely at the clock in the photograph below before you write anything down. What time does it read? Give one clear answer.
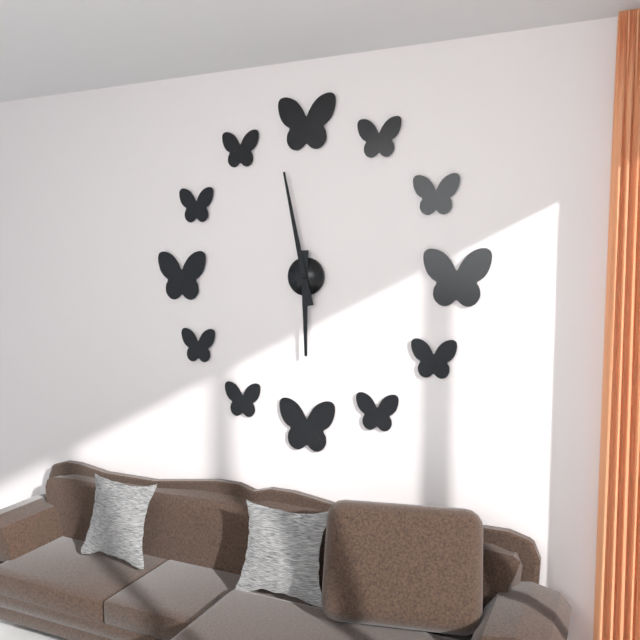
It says 5:58
